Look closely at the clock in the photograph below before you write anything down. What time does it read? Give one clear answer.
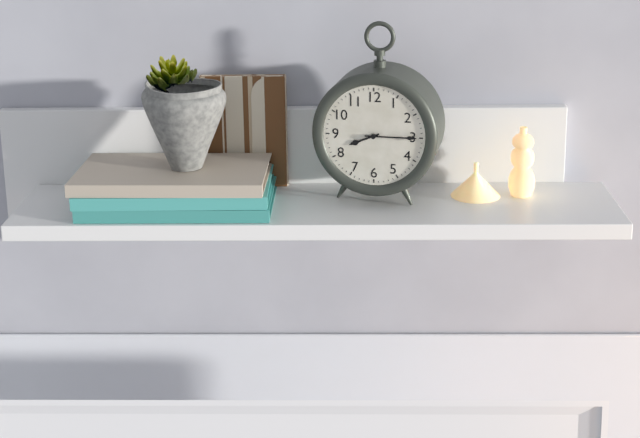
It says 8:15
